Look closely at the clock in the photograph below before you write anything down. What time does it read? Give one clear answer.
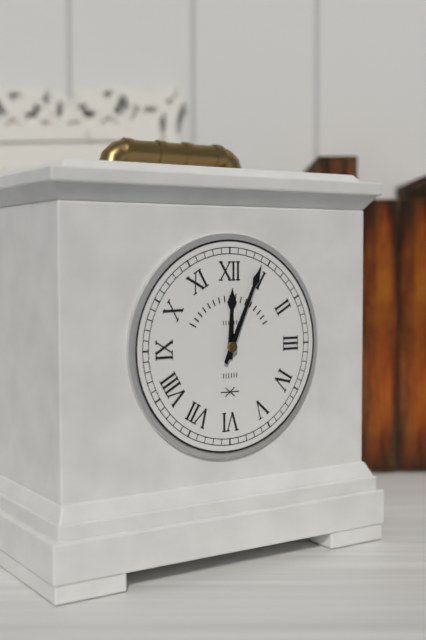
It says 12:04
